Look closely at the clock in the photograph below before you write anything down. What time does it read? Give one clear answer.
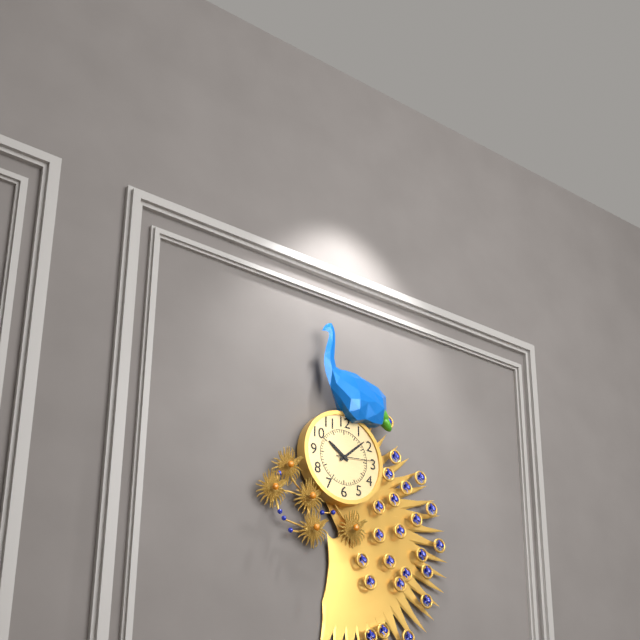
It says 10:08
